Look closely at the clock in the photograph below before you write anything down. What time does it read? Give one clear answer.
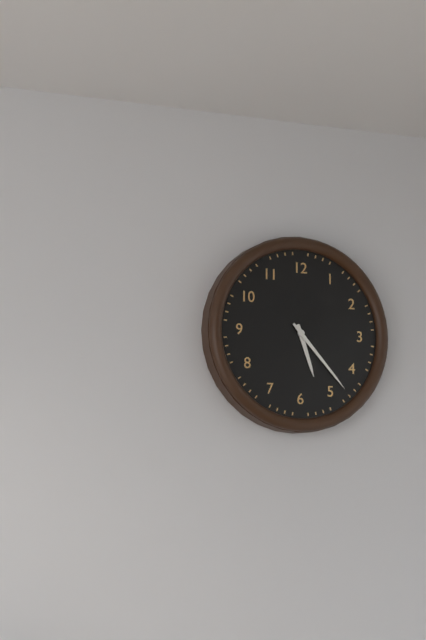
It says 5:23
